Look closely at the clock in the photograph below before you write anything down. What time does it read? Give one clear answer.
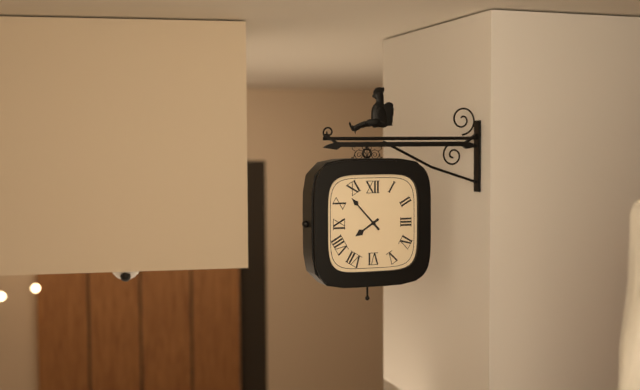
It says 7:53
